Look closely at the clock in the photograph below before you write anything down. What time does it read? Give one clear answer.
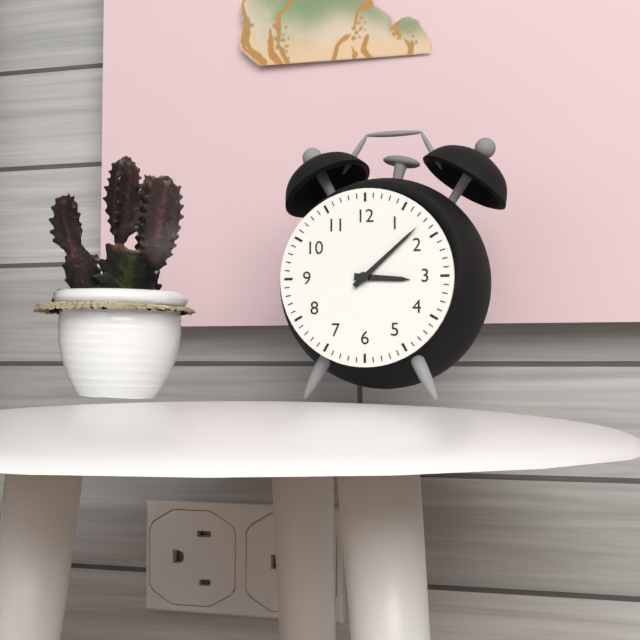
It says 3:08
